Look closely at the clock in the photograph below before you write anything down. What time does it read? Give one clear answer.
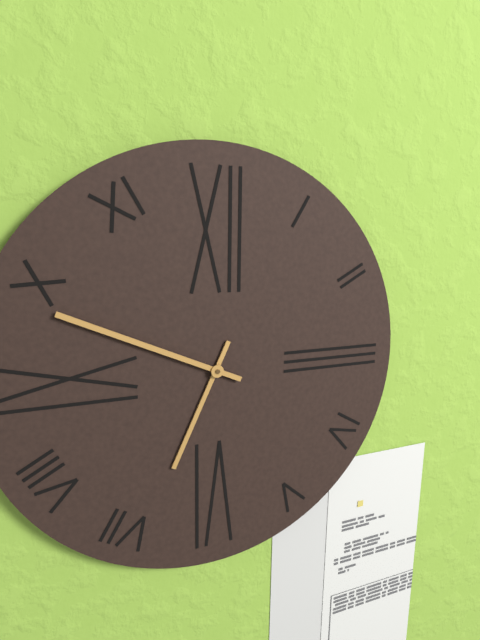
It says 6:49
